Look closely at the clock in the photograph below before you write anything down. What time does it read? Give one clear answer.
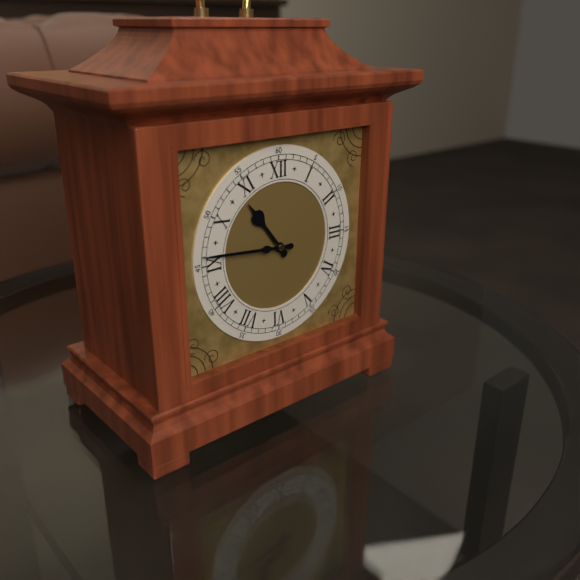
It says 10:46
